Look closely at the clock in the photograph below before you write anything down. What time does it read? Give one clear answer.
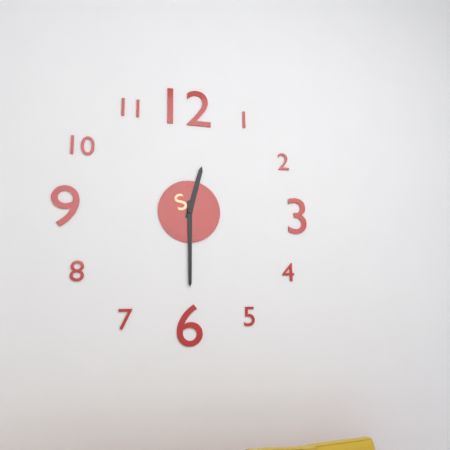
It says 12:30
